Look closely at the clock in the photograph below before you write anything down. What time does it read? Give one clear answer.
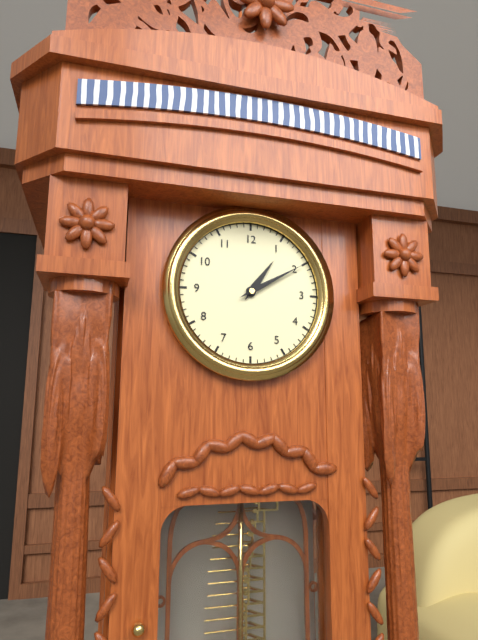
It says 1:10
